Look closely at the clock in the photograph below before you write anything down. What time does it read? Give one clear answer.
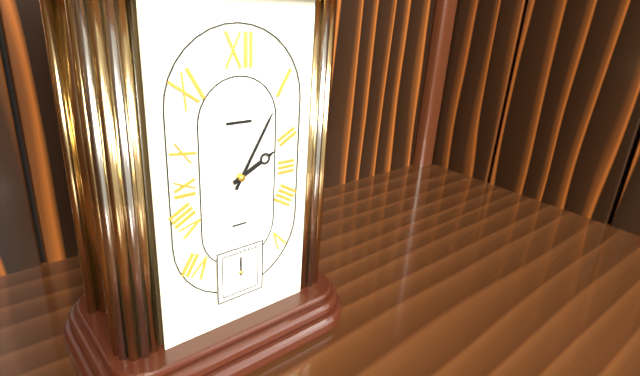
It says 2:05
